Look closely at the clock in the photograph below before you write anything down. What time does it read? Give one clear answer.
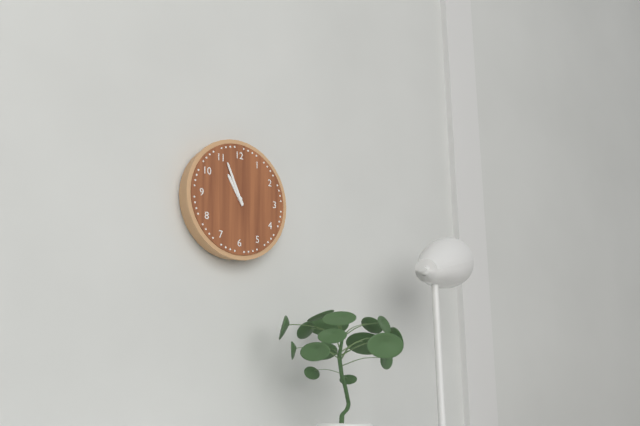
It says 10:56
